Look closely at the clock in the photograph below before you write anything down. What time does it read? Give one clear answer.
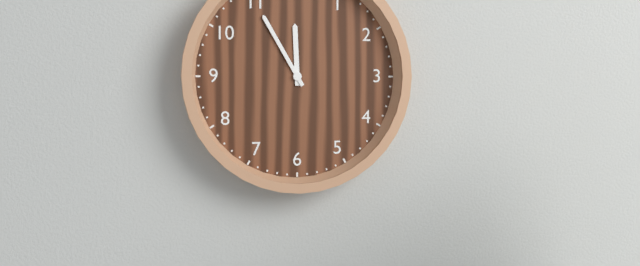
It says 11:55
